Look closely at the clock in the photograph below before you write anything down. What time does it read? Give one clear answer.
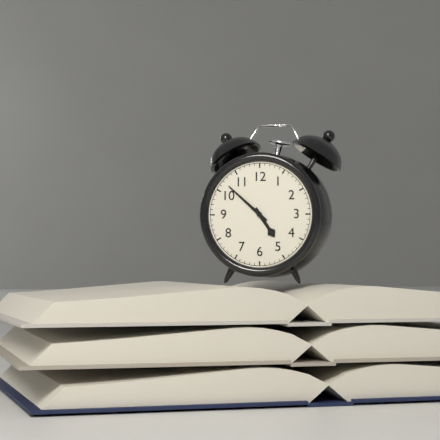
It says 4:52
